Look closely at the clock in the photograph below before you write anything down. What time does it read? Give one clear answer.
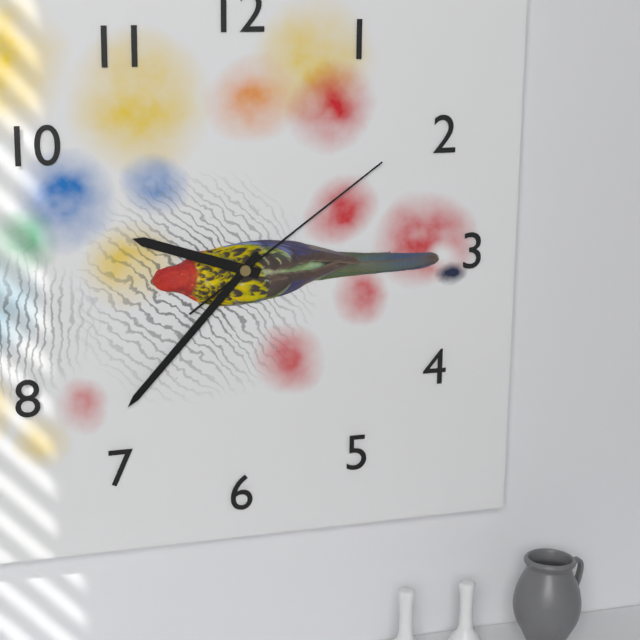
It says 9:37:09
